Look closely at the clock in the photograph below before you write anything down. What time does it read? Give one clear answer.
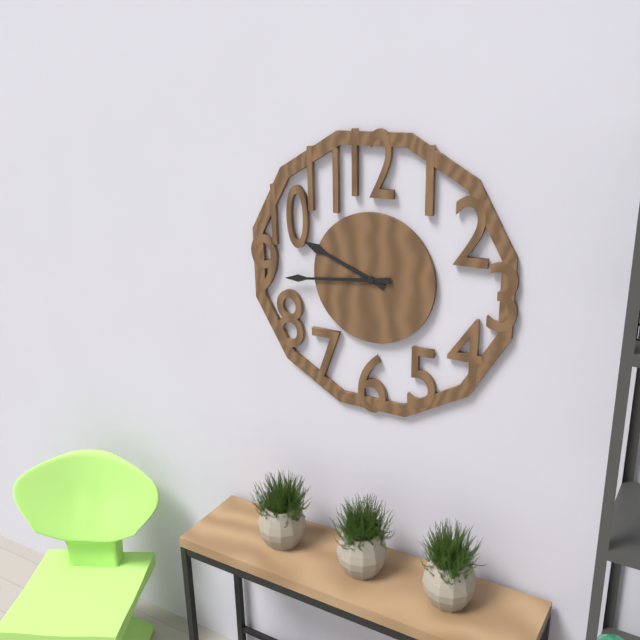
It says 9:44
